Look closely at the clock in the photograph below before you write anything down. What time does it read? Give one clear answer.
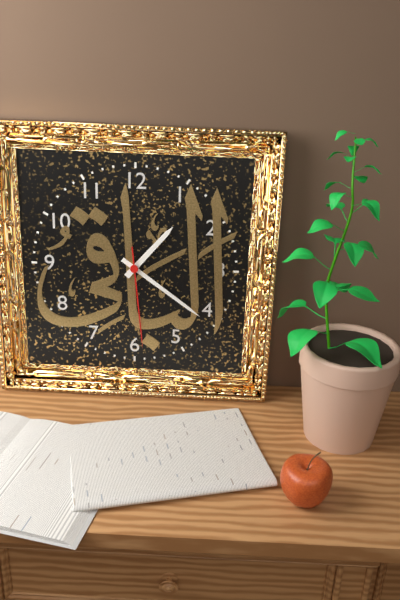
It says 1:21:29
